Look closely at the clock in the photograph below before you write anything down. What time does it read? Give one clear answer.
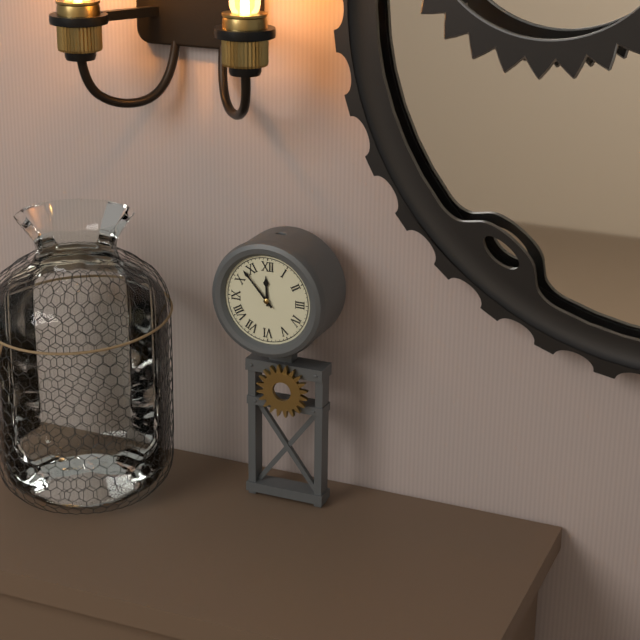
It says 11:53
